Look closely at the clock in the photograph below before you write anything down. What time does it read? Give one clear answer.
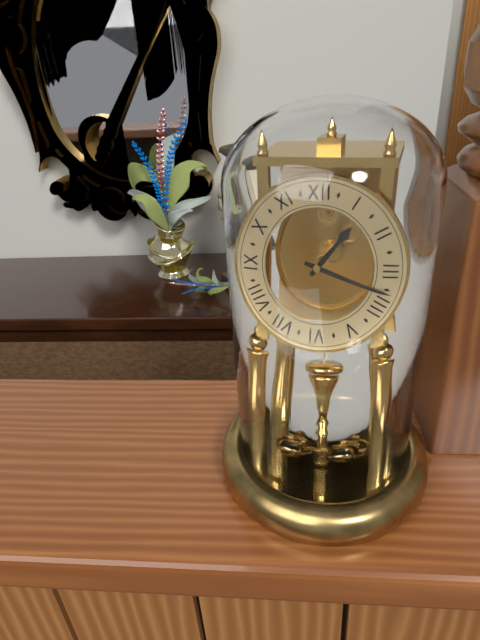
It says 1:18
